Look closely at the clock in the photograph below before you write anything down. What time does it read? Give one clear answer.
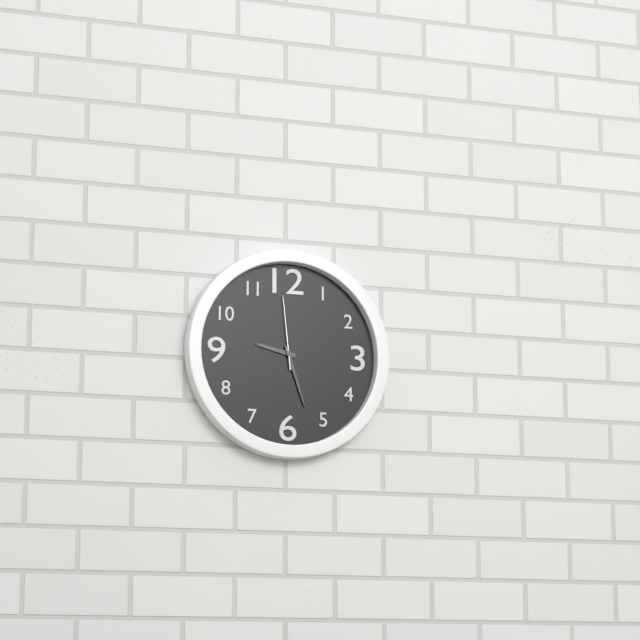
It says 9:27:59
